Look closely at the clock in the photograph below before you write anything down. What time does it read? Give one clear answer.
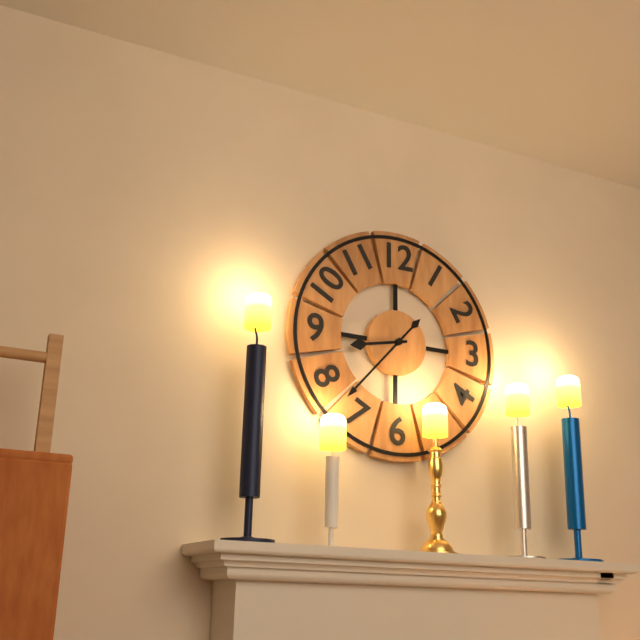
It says 8:37
